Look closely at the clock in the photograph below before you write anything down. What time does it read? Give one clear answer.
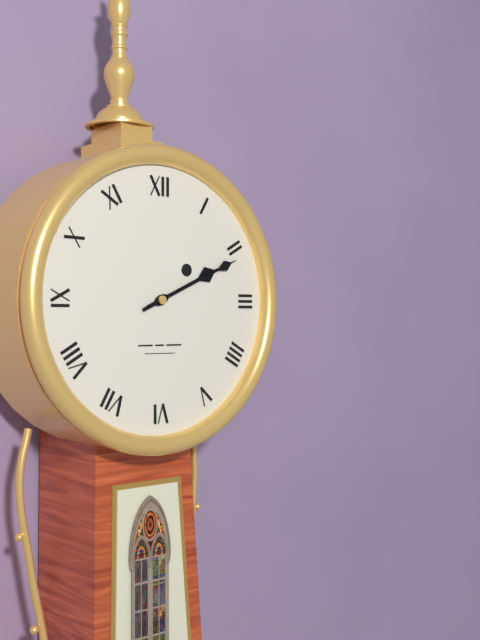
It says 2:11
